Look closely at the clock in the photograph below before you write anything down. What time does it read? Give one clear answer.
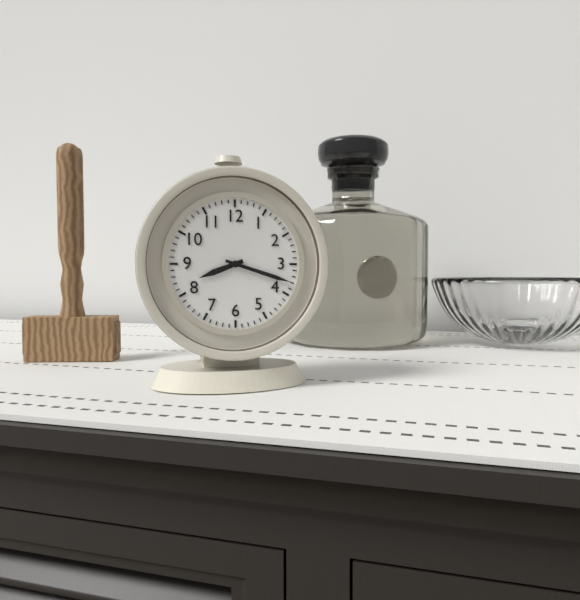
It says 8:18
